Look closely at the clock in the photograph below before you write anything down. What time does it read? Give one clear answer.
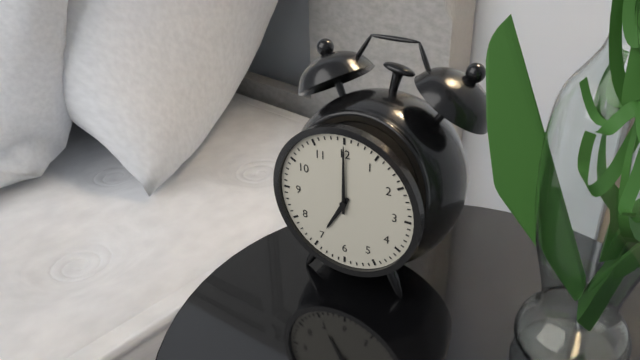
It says 7:00
